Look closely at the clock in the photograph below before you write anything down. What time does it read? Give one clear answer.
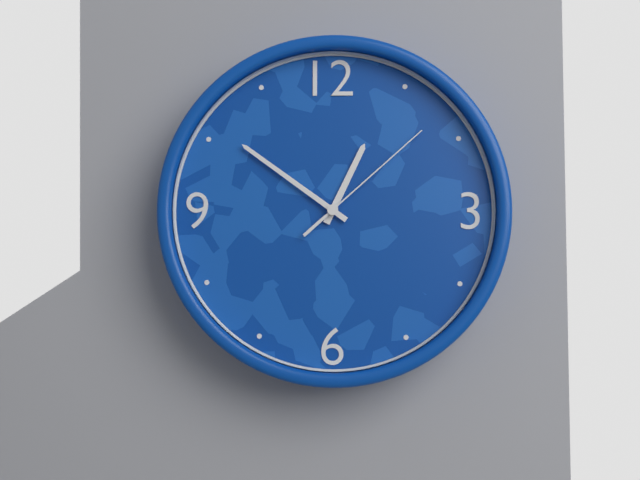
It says 12:51:08
